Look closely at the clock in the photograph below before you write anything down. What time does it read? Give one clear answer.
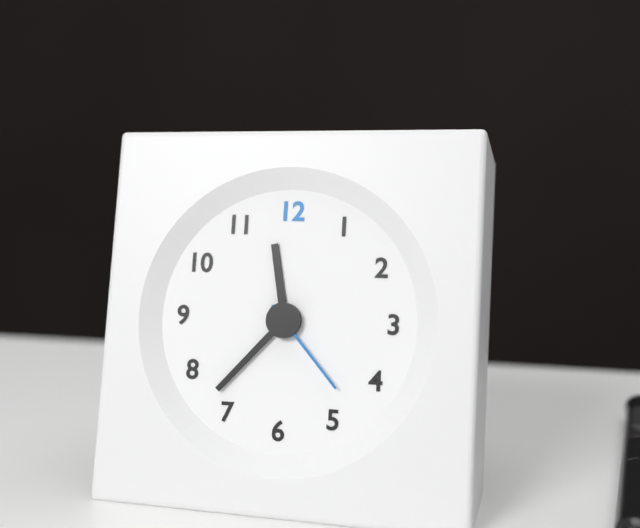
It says 11:37:23
